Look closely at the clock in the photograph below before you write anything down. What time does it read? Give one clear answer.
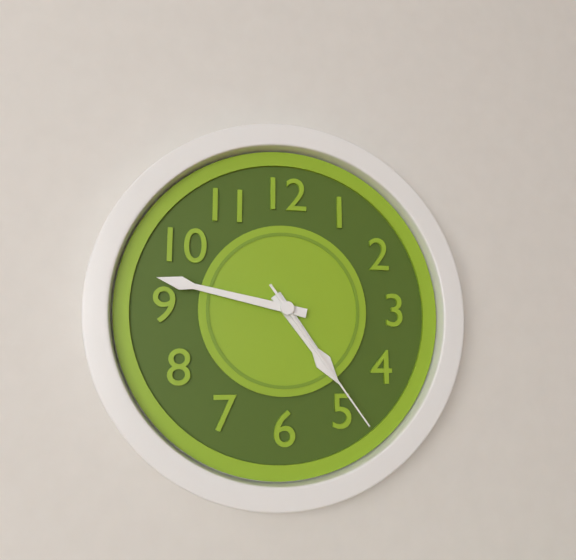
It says 4:47:24
